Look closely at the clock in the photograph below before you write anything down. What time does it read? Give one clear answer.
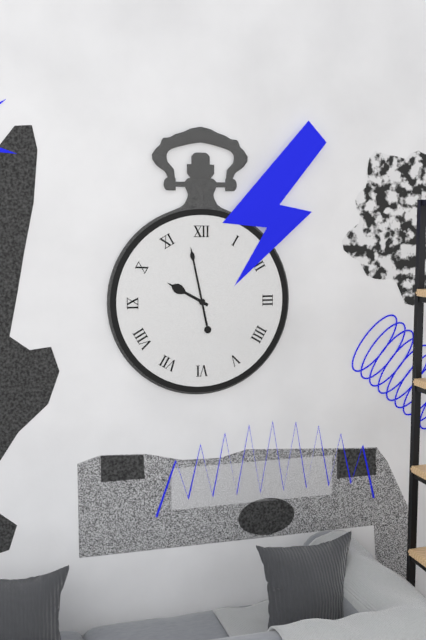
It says 9:58
